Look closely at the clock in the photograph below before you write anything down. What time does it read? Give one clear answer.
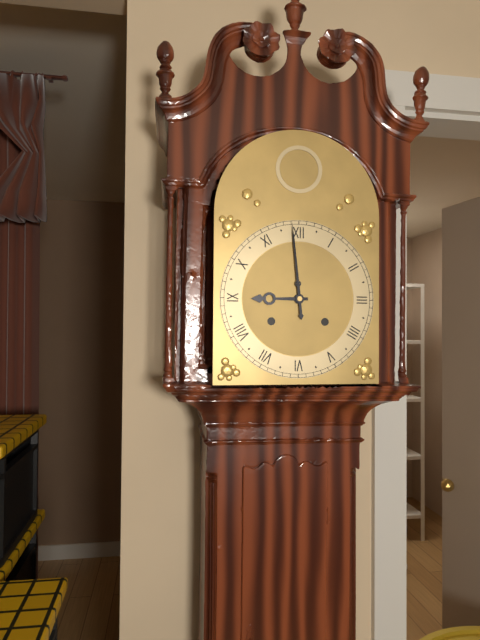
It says 8:59
